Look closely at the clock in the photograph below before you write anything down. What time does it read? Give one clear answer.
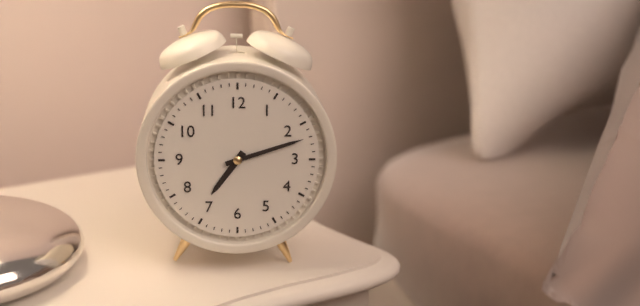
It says 7:12
